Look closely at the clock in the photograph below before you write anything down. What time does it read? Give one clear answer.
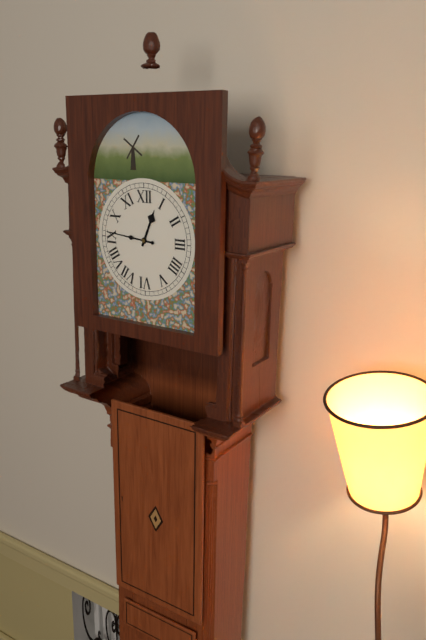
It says 12:46
